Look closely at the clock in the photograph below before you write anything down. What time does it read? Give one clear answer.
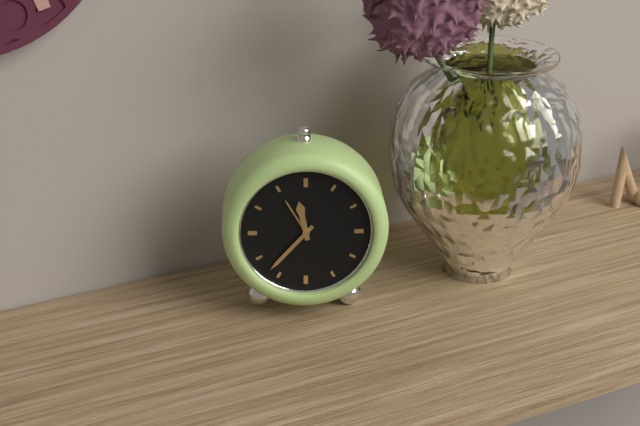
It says 11:37
